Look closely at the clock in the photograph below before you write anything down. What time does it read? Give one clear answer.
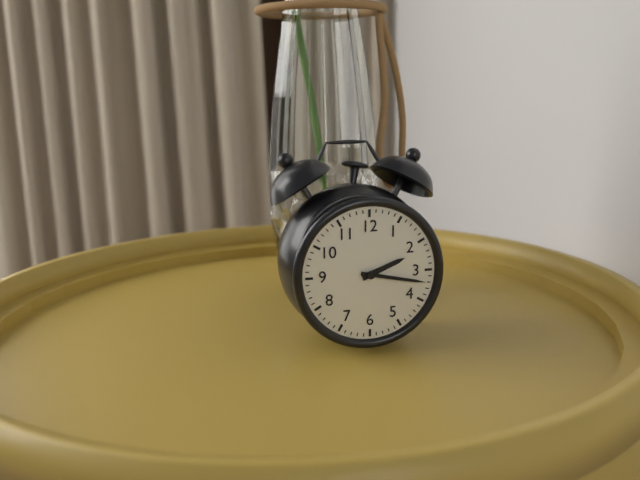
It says 2:17
